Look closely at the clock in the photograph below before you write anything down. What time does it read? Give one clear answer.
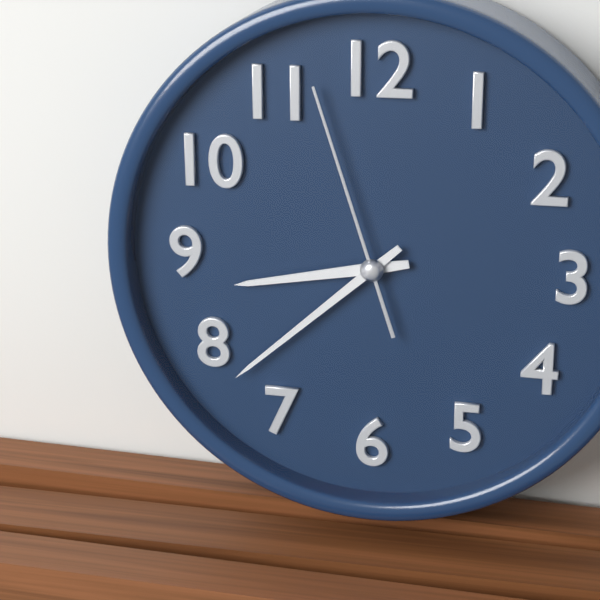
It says 8:38:57
